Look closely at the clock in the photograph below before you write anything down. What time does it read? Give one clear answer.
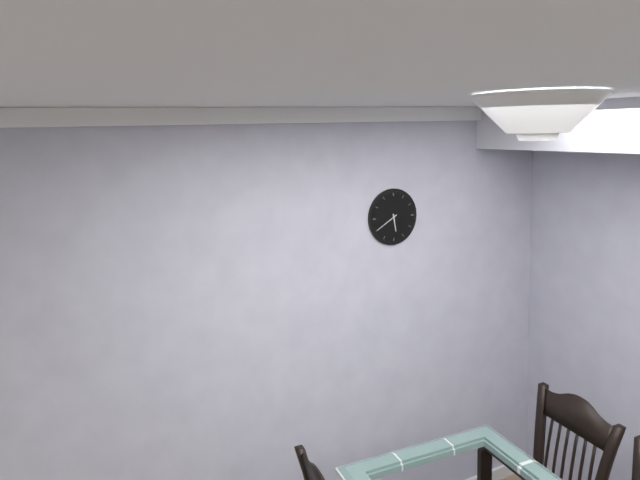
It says 5:40
